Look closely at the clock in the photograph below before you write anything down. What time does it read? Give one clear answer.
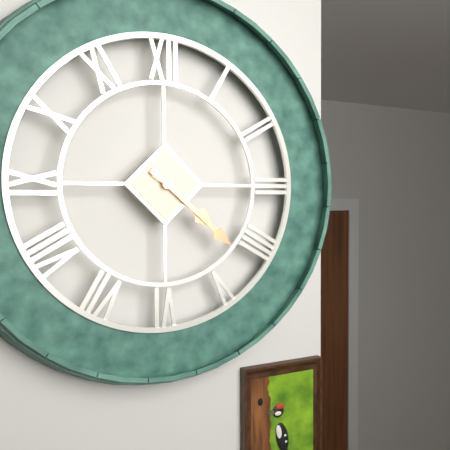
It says 4:22
